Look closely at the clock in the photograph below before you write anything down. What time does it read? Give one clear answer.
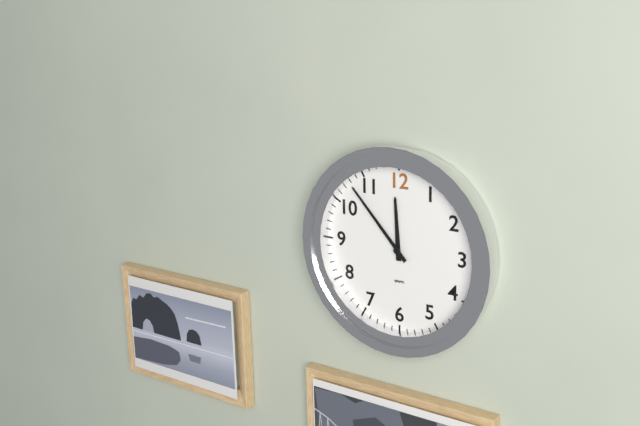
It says 11:53
